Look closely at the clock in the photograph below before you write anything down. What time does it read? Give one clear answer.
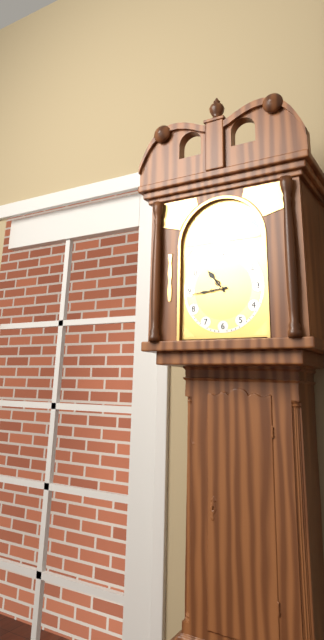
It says 10:44
